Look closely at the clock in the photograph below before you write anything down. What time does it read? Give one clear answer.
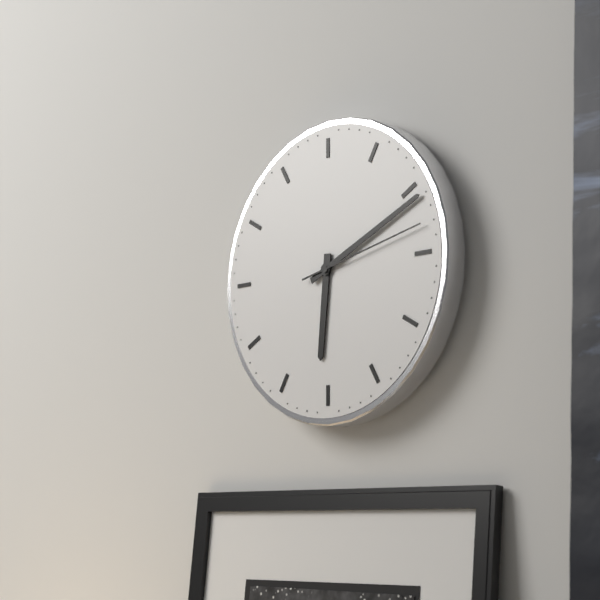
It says 6:11:13
